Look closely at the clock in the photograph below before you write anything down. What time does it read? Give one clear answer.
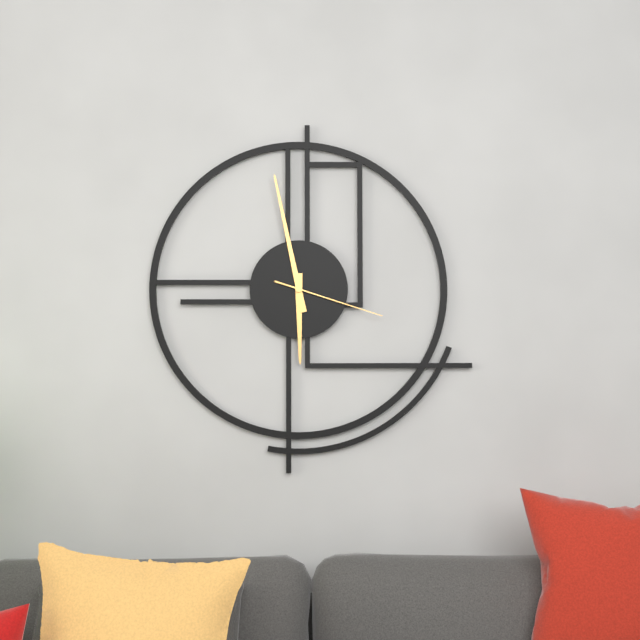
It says 5:58:18
